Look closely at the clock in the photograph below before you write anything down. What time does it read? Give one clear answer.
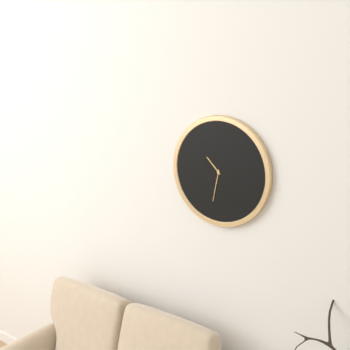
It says 10:32
